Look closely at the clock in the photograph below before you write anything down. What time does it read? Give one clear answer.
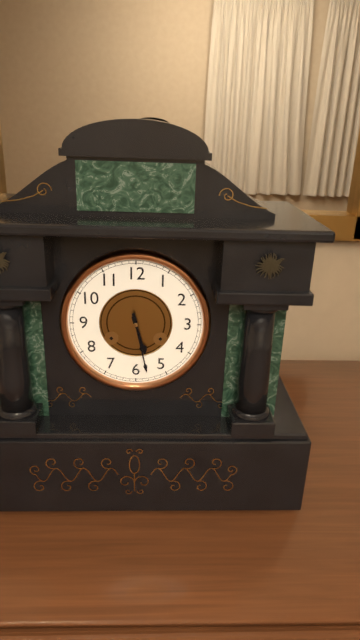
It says 5:28
